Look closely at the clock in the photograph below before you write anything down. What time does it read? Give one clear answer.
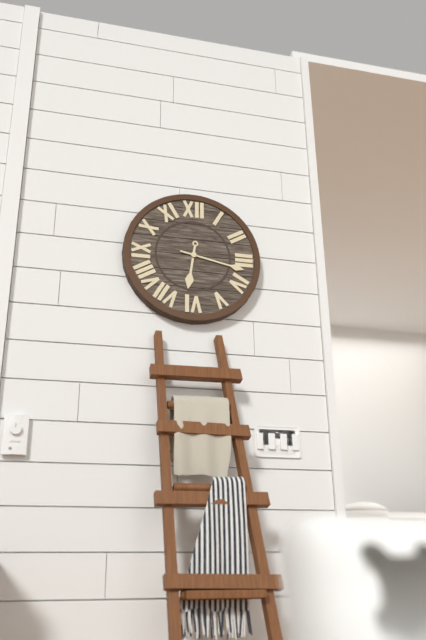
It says 6:17
